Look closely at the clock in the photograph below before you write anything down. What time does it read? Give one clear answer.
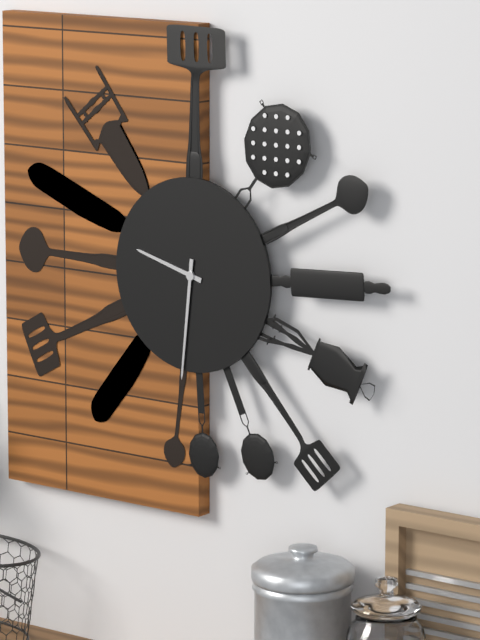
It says 9:31
